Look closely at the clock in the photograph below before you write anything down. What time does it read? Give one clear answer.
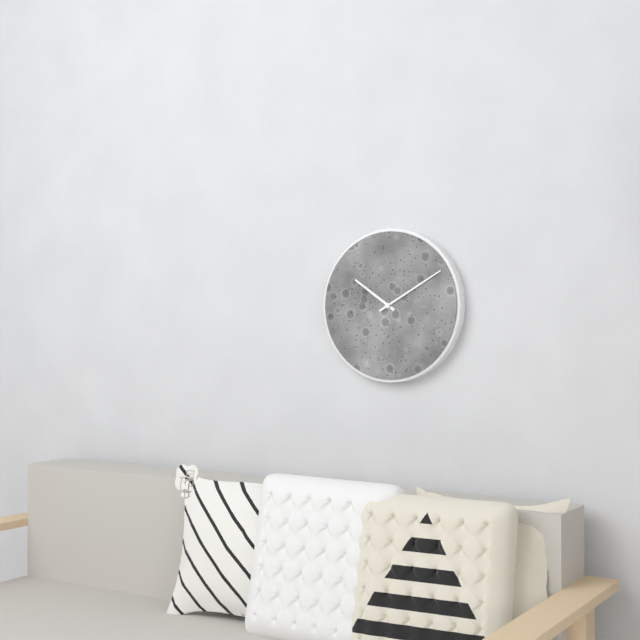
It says 10:10
